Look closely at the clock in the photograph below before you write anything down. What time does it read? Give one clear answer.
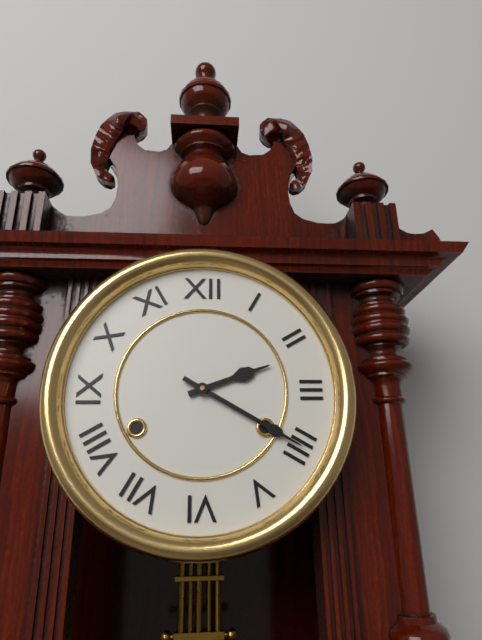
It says 2:20
